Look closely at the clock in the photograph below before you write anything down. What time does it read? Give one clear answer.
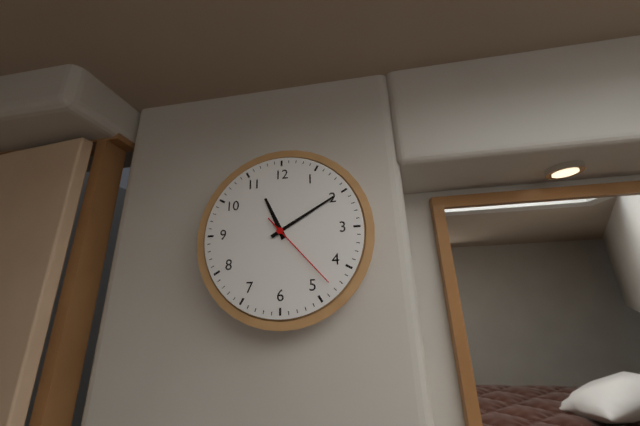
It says 11:10:23
